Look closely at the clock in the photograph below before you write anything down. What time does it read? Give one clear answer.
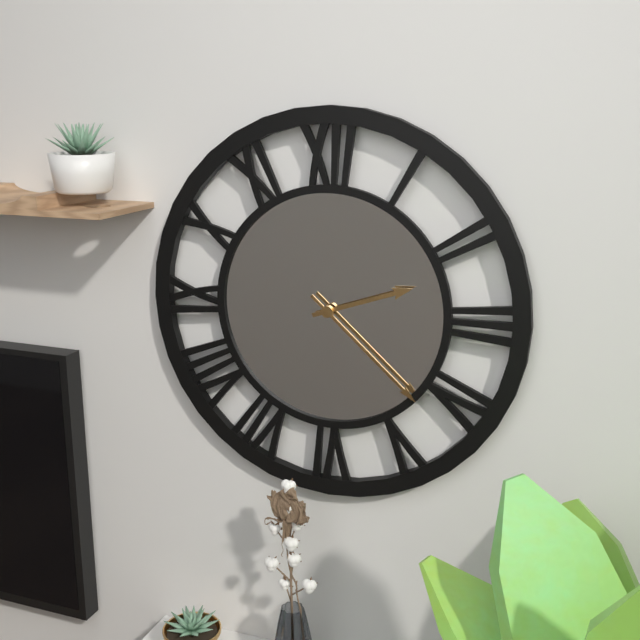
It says 2:22
